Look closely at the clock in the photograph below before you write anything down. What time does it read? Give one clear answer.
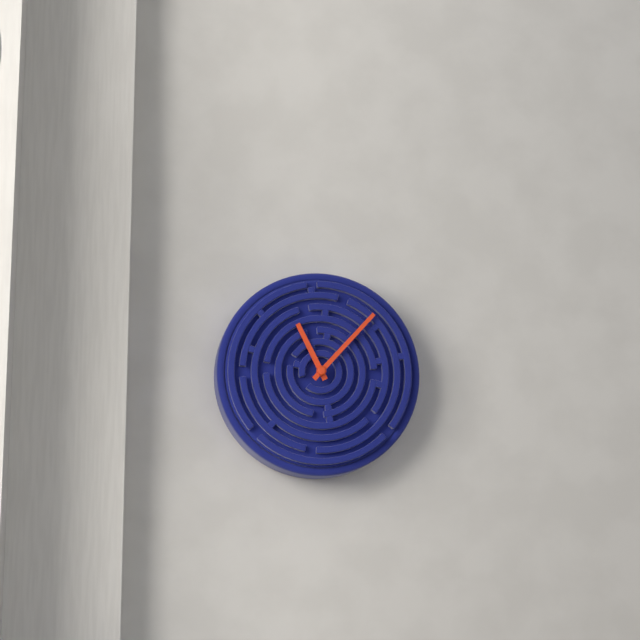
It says 11:07
